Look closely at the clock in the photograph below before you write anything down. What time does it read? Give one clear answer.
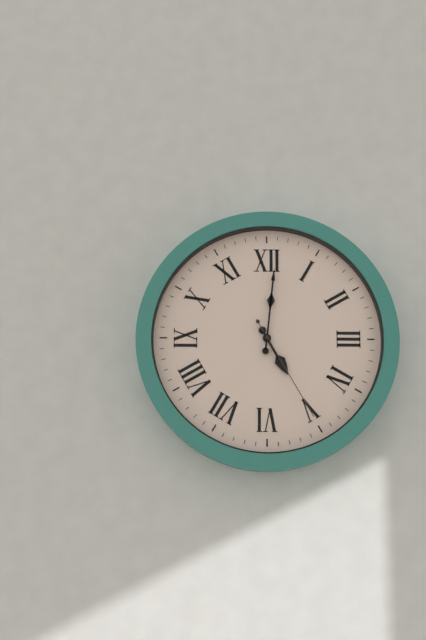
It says 5:01:25
